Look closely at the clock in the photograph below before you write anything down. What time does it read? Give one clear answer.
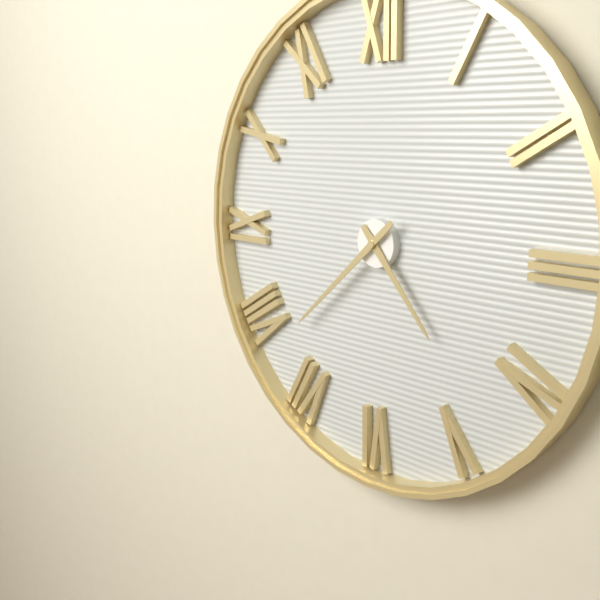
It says 4:38
